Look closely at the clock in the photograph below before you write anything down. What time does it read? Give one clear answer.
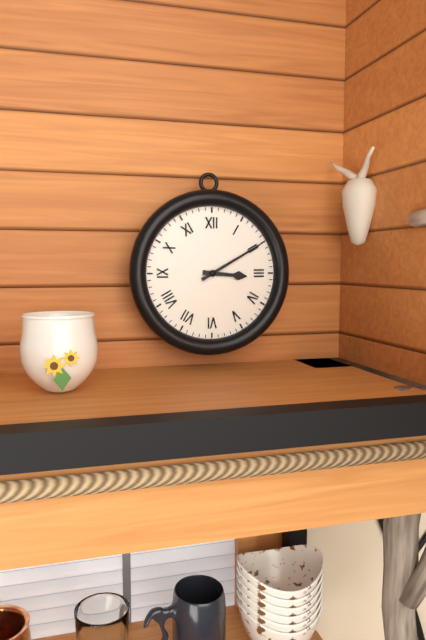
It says 3:10
